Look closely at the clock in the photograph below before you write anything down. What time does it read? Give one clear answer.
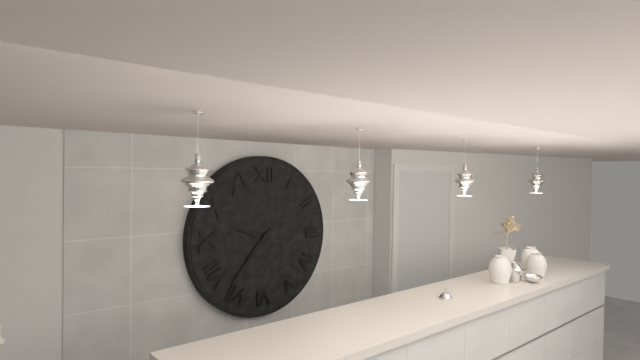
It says 9:37
